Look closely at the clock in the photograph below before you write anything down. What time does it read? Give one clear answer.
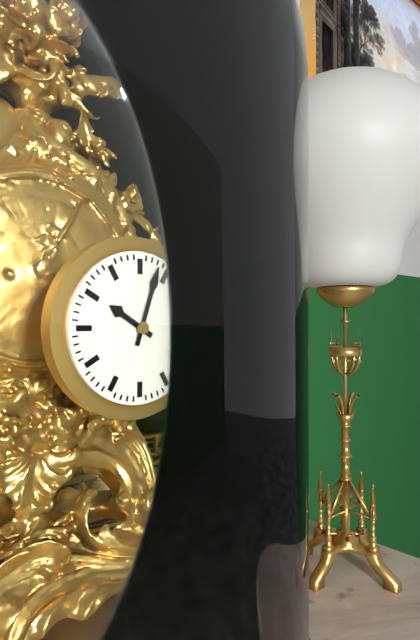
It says 10:03
